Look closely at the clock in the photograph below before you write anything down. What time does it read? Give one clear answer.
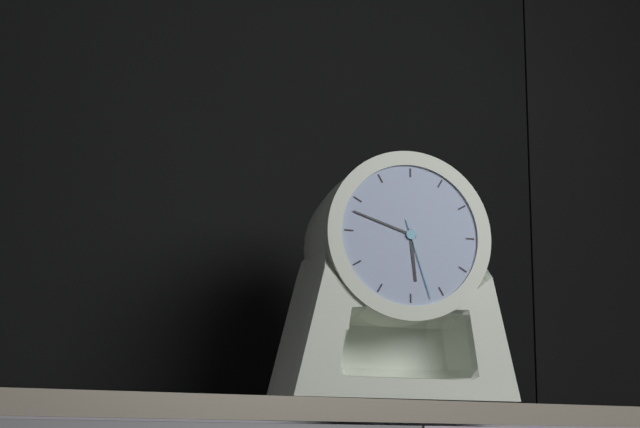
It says 5:48:27
